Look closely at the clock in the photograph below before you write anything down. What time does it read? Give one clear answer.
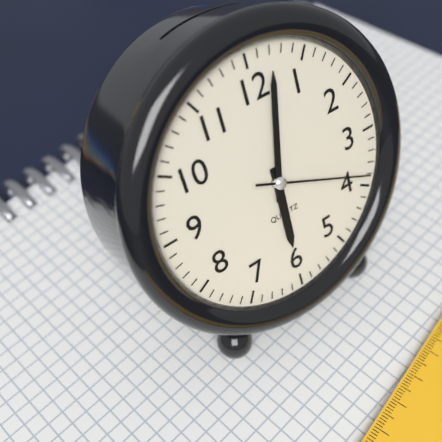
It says 6:02:19
